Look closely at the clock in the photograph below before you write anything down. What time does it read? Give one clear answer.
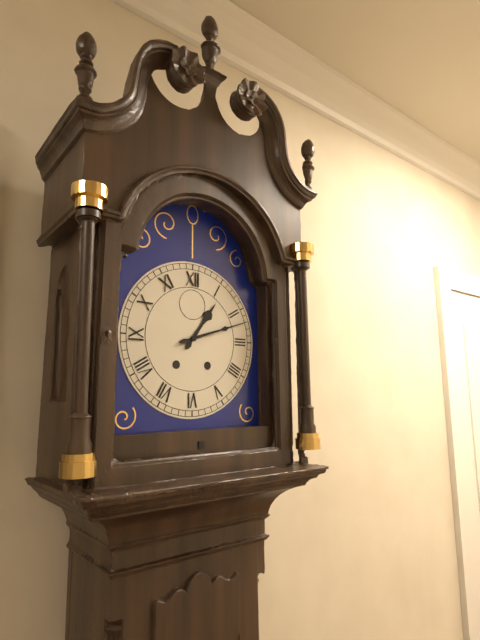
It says 1:12
